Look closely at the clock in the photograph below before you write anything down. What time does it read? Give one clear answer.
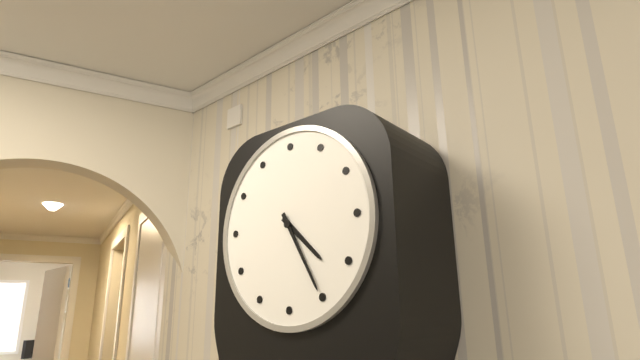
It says 4:25
